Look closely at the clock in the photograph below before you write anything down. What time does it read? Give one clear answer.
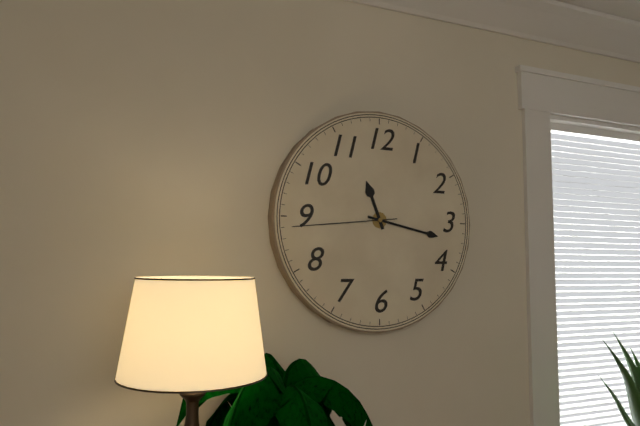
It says 11:17:44
